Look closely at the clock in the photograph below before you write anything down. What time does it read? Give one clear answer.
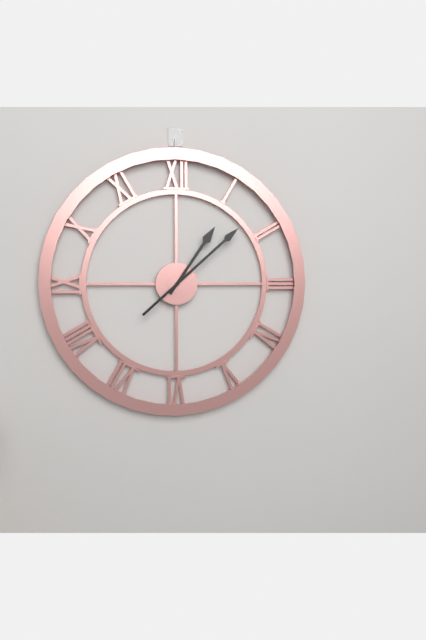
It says 1:08
